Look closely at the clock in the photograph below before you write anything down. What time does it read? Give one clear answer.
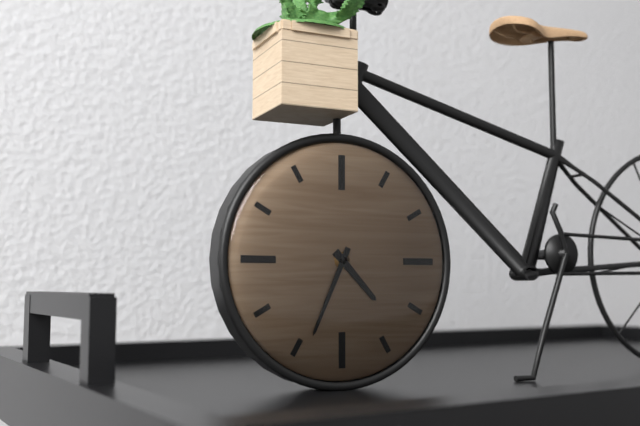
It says 4:34
